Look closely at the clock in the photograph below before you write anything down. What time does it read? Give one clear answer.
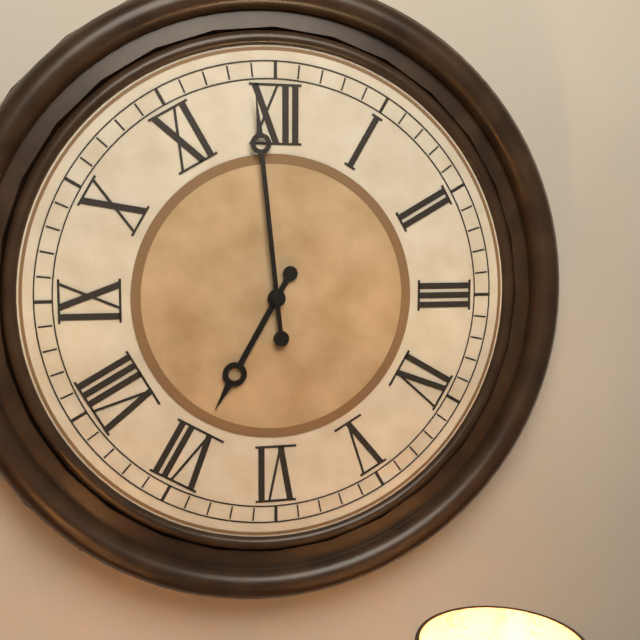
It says 6:59
